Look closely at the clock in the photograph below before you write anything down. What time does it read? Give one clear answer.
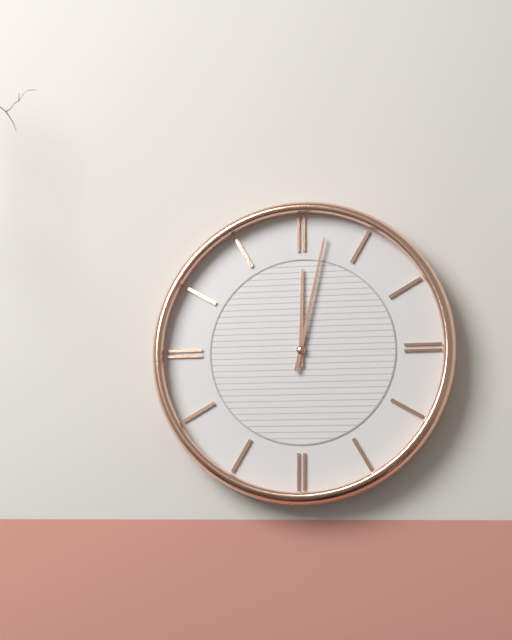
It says 12:02
